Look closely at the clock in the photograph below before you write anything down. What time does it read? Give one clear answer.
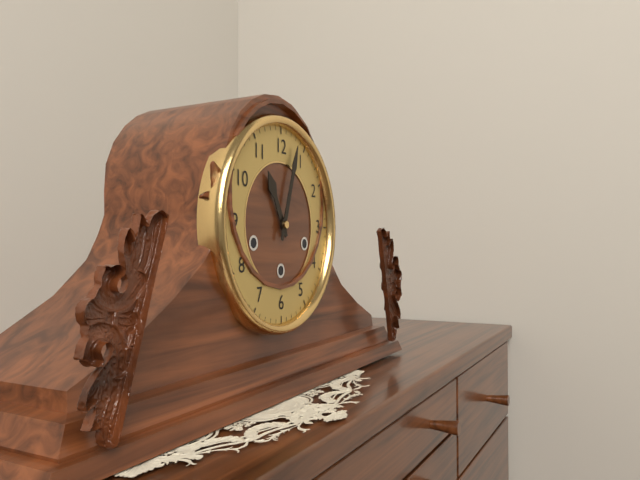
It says 11:03
